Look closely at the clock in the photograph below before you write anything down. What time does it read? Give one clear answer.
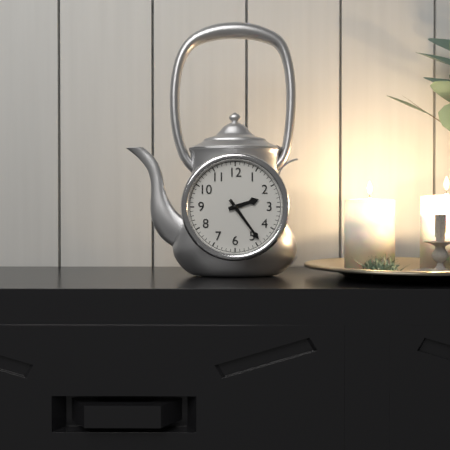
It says 2:24
